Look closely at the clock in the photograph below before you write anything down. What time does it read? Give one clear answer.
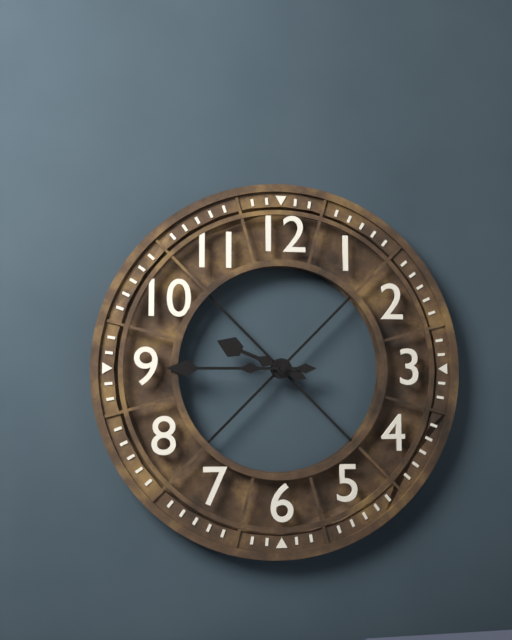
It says 9:45
